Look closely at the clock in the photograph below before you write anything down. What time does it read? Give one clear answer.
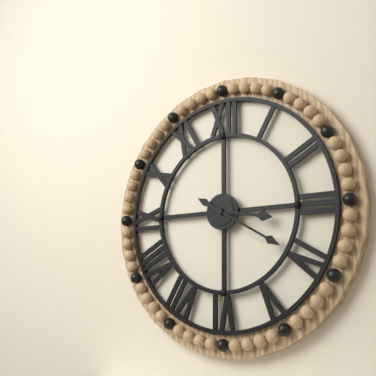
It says 3:20
